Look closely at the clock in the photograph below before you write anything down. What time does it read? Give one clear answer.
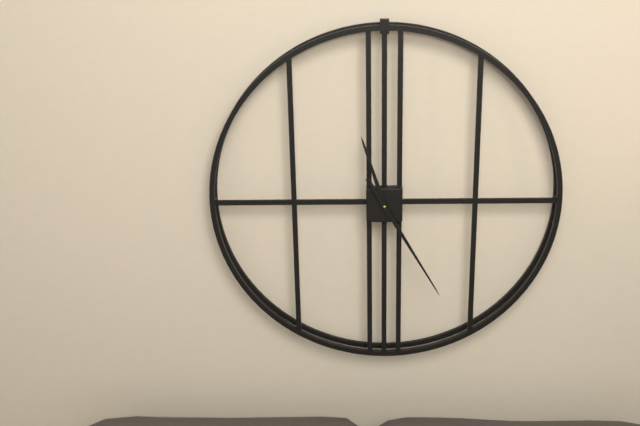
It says 11:25
